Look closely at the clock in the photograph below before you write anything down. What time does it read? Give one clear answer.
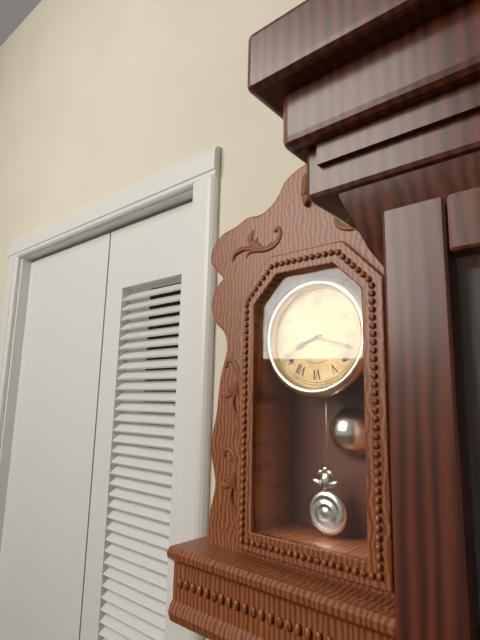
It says 8:18
